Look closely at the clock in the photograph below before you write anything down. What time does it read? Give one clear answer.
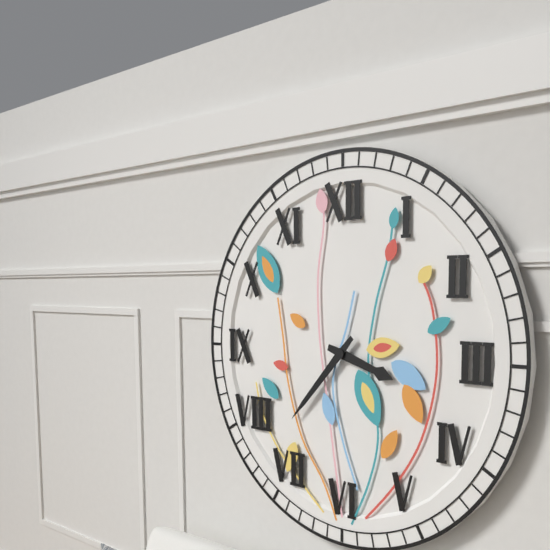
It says 3:37
